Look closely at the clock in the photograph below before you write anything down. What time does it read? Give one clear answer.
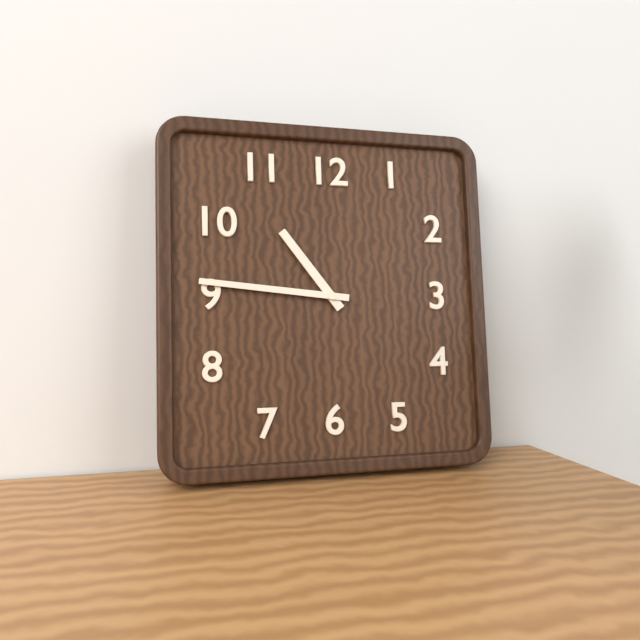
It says 10:46
